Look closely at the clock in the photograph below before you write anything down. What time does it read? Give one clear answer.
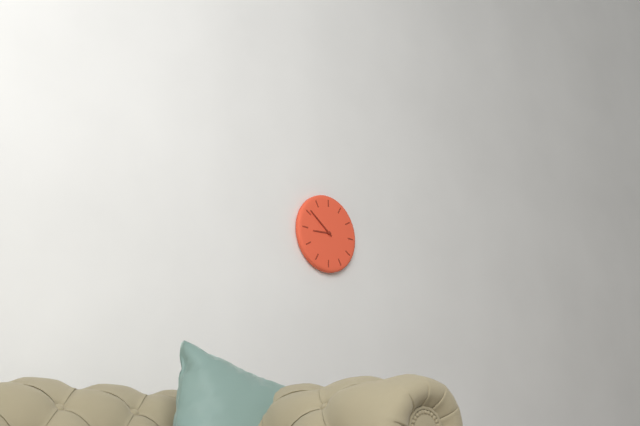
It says 8:51
